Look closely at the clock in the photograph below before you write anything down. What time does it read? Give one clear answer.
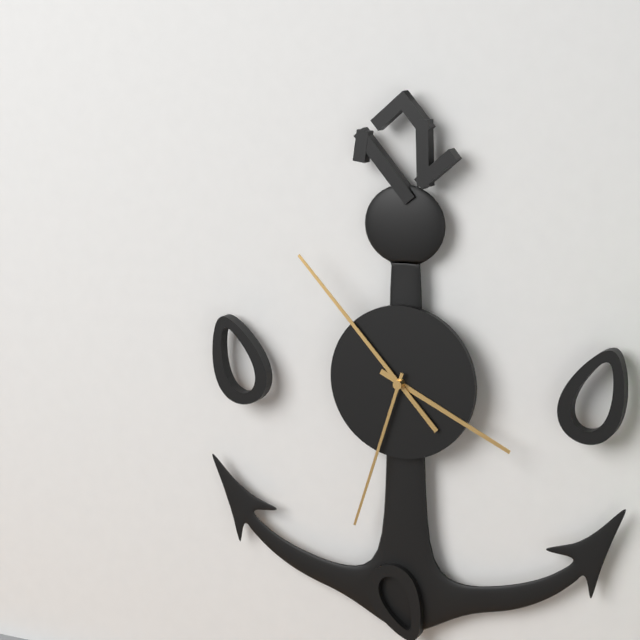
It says 3:53:33
